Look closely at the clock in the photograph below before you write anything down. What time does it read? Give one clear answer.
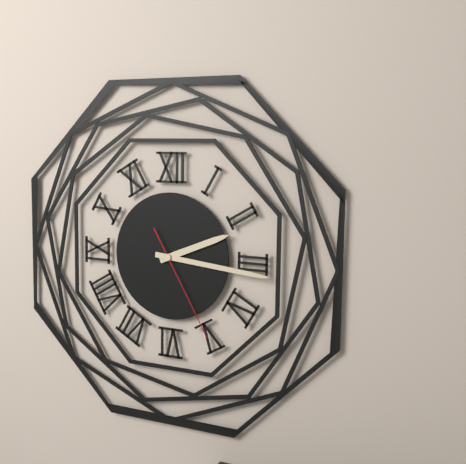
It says 2:16:25
